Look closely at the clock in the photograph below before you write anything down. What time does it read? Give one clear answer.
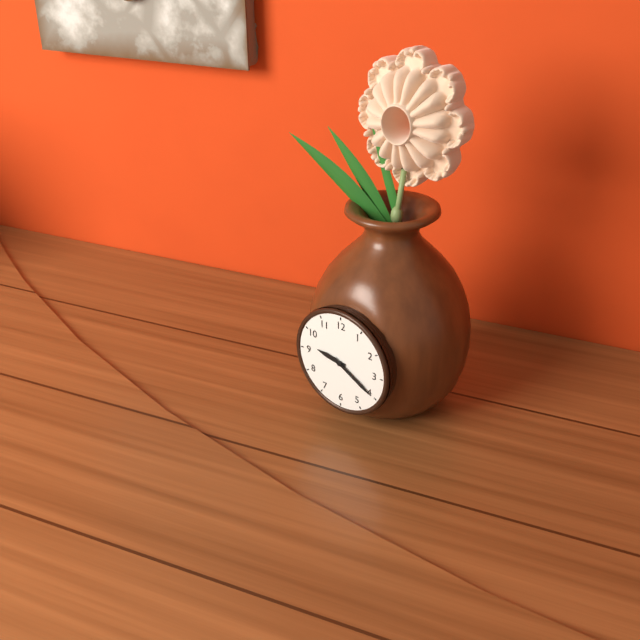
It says 9:20
